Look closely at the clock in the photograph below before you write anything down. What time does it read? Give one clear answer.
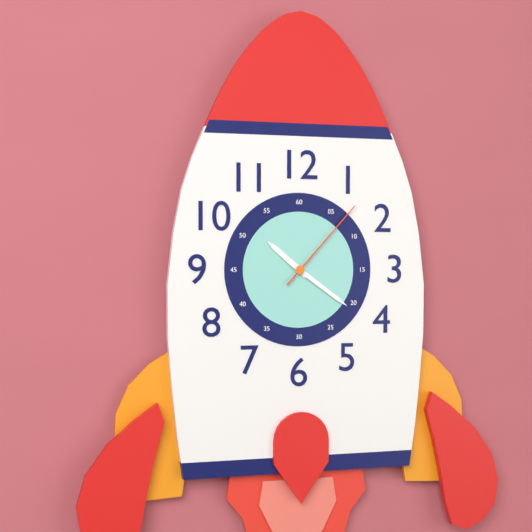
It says 10:21:07
